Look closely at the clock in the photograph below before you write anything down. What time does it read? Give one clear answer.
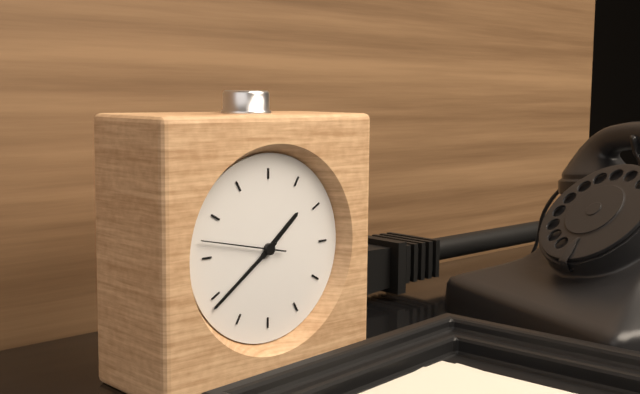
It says 1:39:47
